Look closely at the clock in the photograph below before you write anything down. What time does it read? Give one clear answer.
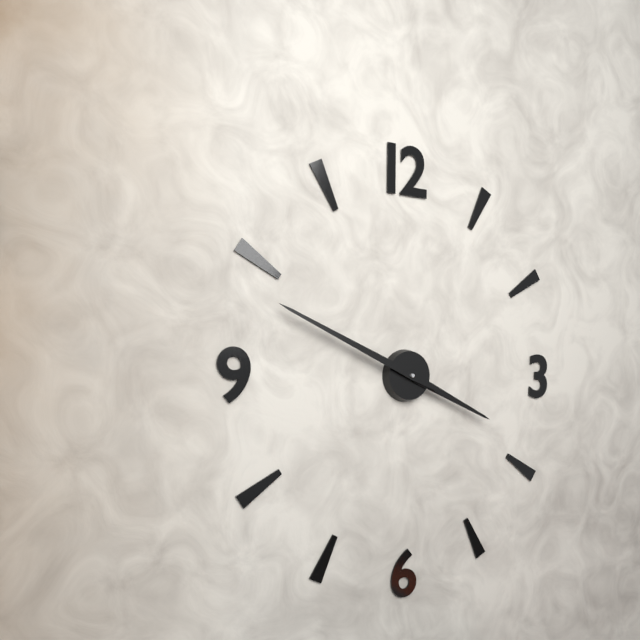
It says 3:49
